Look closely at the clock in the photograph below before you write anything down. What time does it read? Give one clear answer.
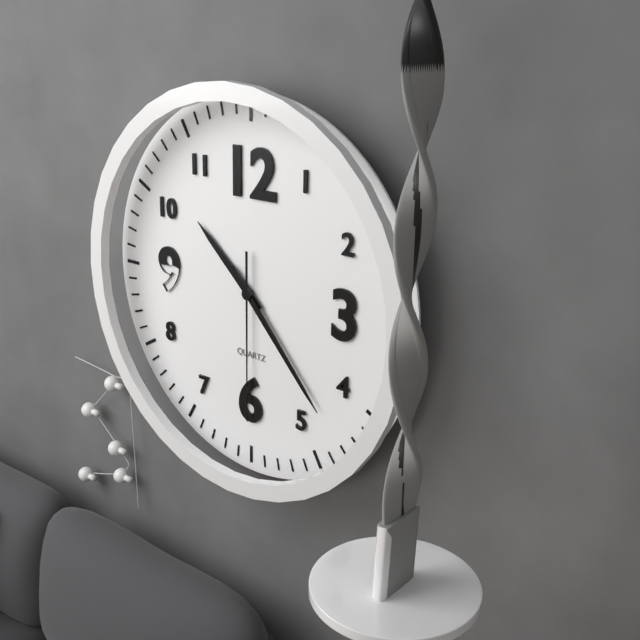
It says 10:23:30
